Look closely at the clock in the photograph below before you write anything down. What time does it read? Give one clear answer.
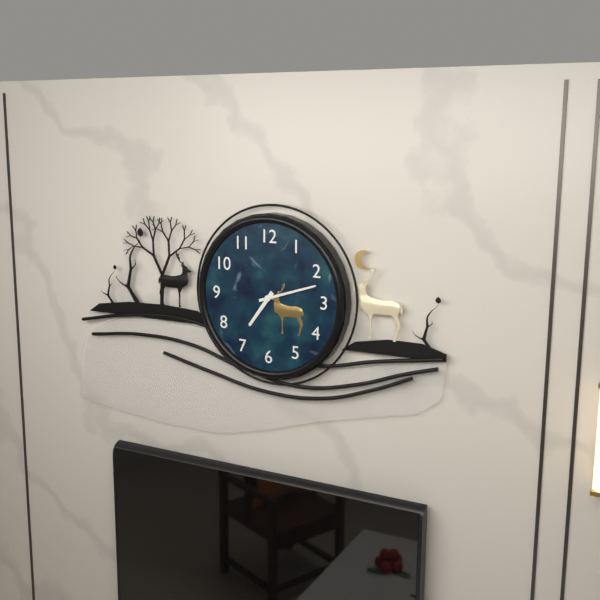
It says 7:12
